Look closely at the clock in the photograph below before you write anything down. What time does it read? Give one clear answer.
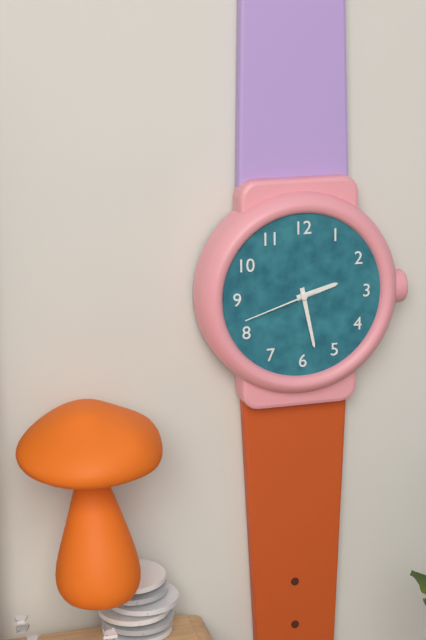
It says 2:28:42
